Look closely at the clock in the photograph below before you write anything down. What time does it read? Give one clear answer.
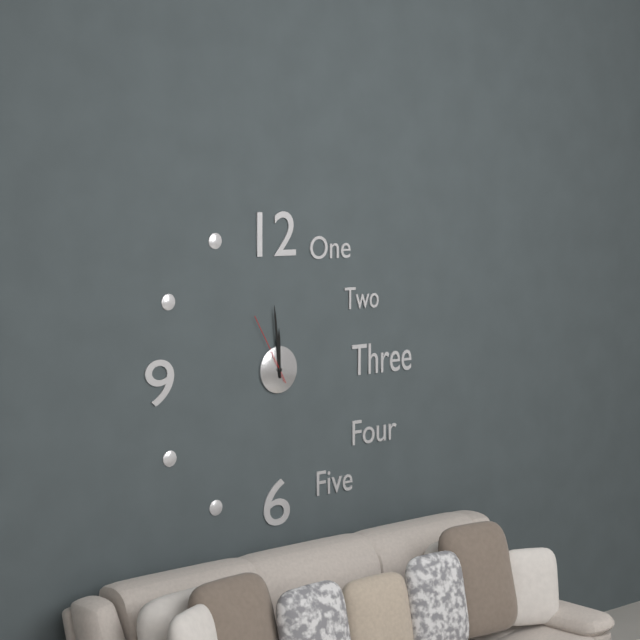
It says 11:59:55
